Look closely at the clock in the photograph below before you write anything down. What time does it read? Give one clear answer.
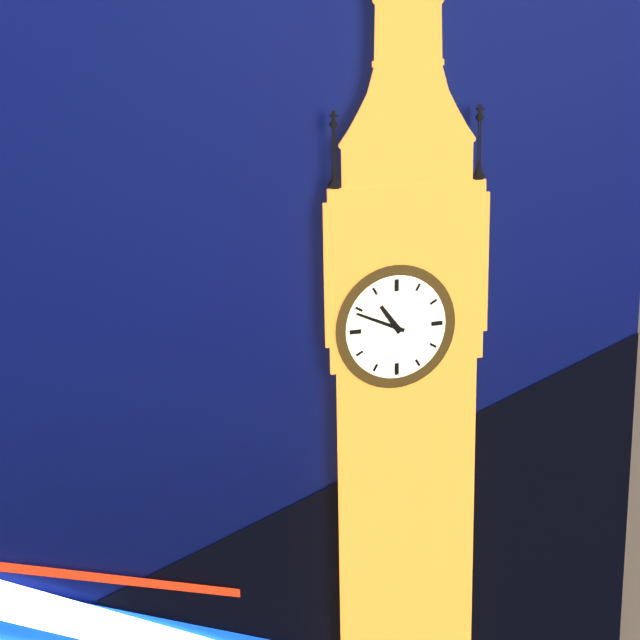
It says 10:49
